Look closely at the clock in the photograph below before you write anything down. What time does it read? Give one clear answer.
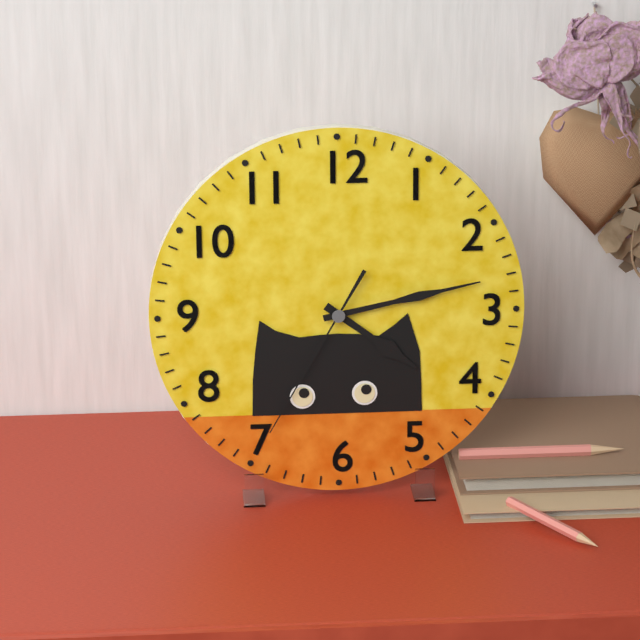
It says 4:13:35
